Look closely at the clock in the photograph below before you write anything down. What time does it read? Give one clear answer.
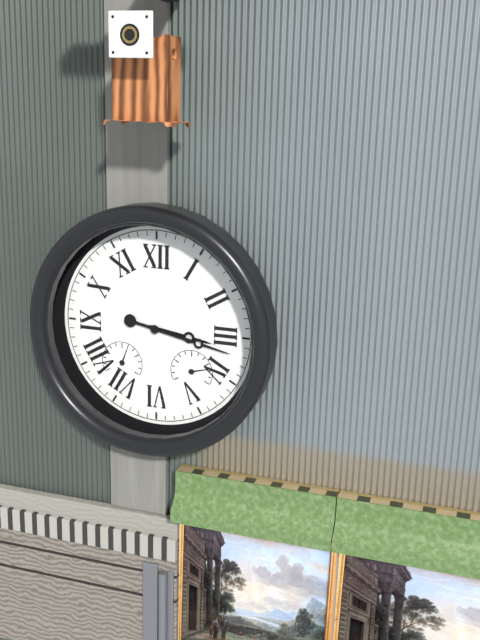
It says 3:17
